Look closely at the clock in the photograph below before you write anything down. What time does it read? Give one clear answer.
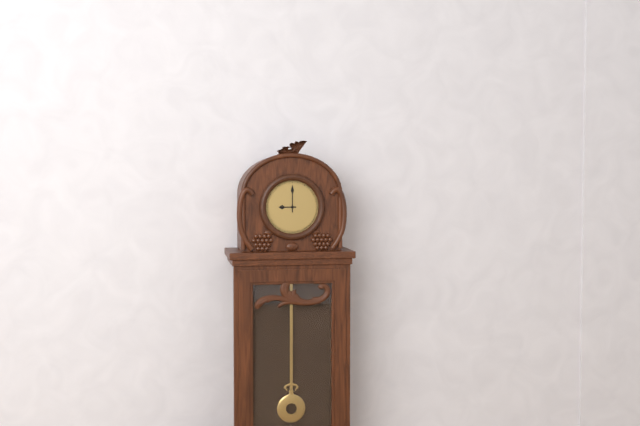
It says 9:00
